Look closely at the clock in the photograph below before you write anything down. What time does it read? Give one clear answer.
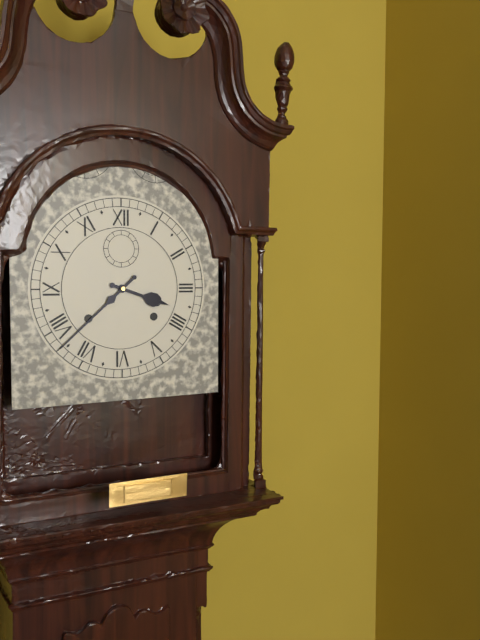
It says 3:38
